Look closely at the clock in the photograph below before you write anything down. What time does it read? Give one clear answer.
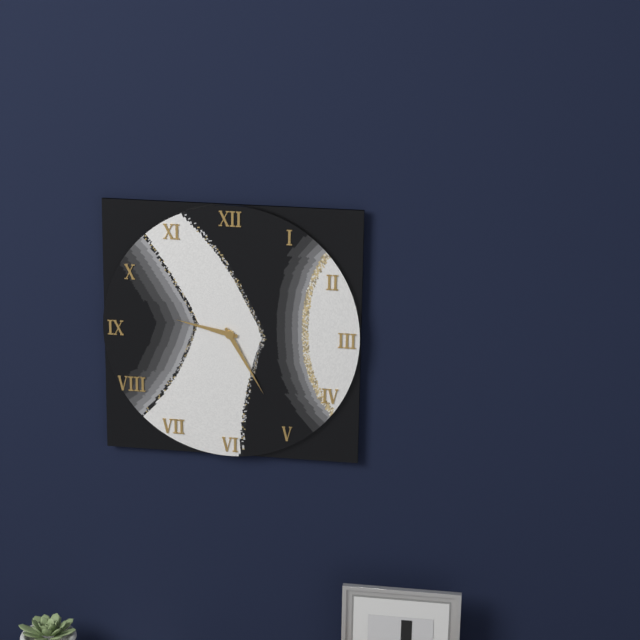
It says 9:25
